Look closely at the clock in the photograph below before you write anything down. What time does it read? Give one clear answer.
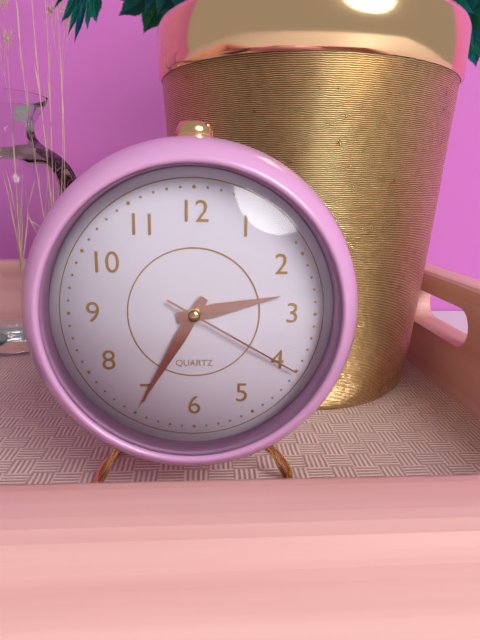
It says 2:35:20
